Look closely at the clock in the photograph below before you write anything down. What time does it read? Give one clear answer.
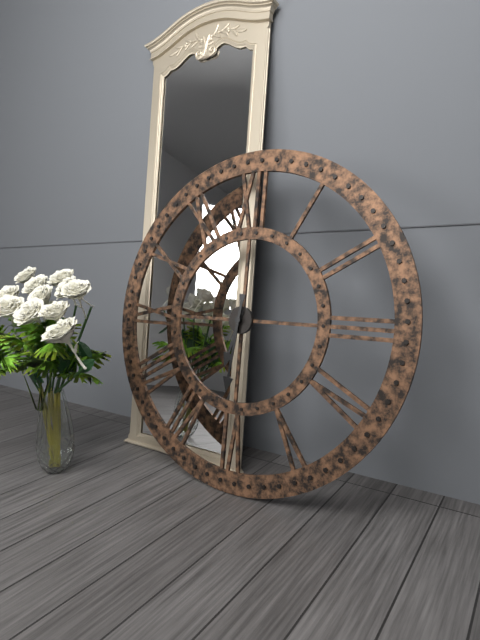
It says 6:31
